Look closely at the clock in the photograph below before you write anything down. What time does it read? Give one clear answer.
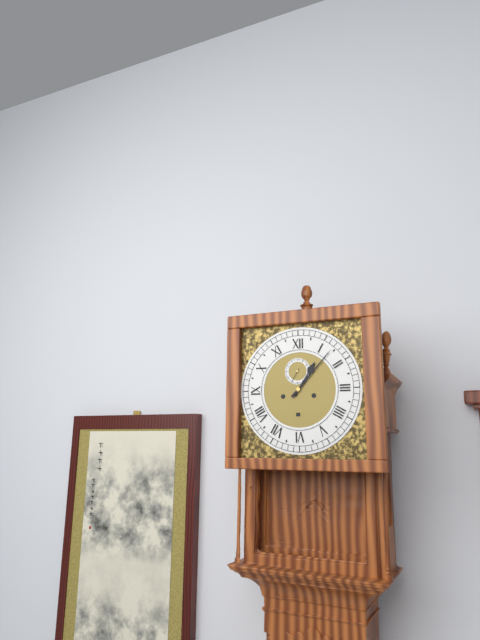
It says 1:07
